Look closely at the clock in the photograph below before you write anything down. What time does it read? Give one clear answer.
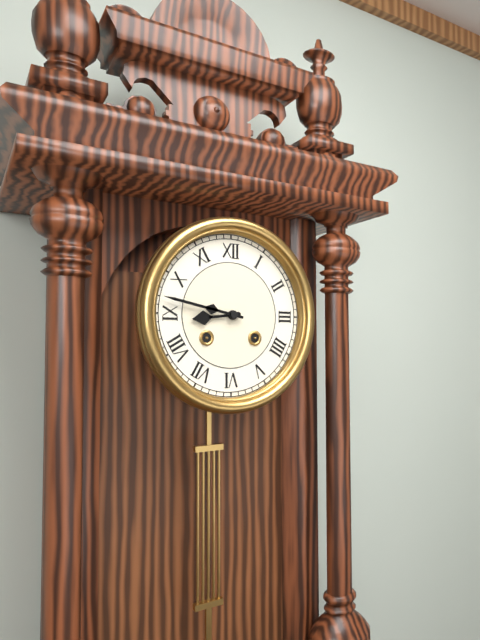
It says 8:47
